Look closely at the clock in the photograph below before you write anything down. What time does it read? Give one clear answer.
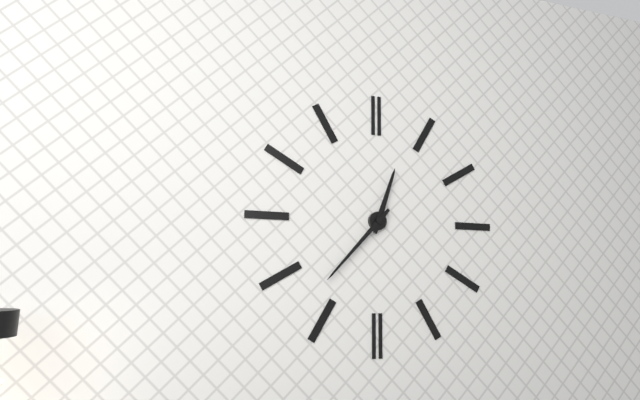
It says 12:37
